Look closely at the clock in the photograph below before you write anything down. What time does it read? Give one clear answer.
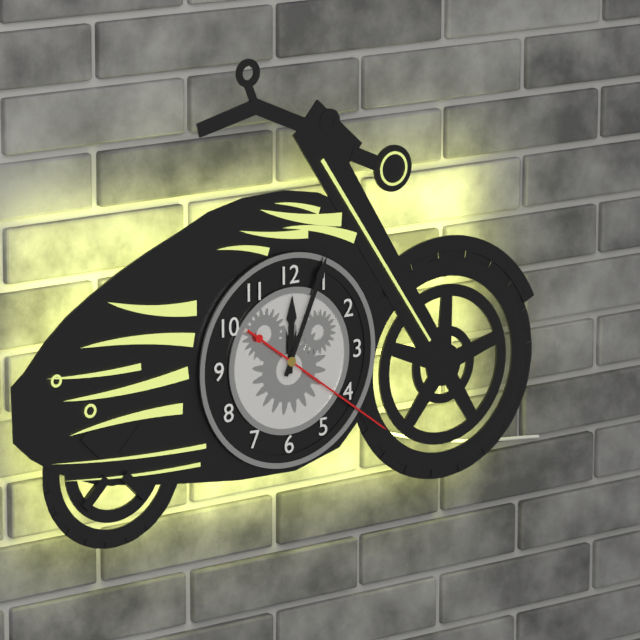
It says 12:04:21
